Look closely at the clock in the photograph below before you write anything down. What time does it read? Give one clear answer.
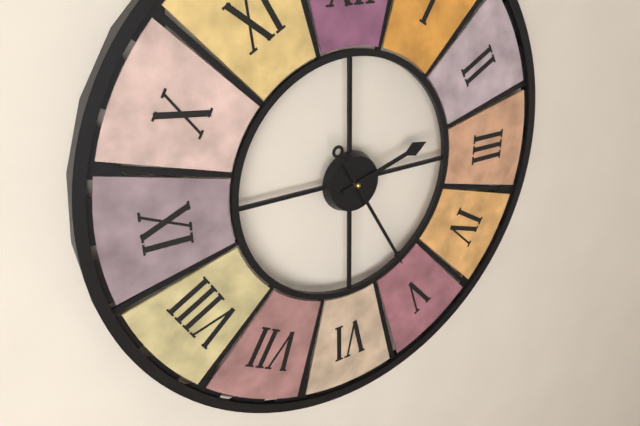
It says 2:25
